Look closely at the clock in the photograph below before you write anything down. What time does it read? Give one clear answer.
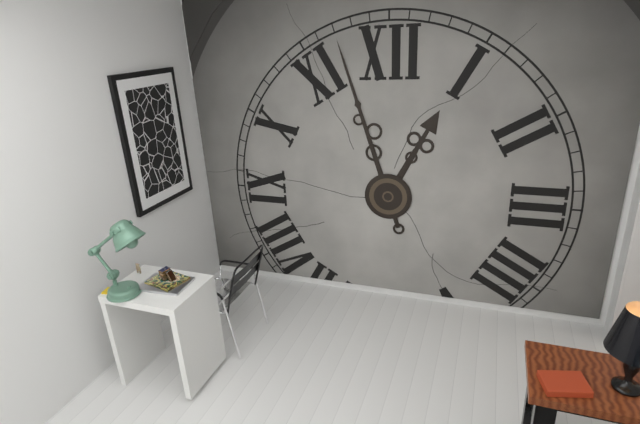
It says 12:57
